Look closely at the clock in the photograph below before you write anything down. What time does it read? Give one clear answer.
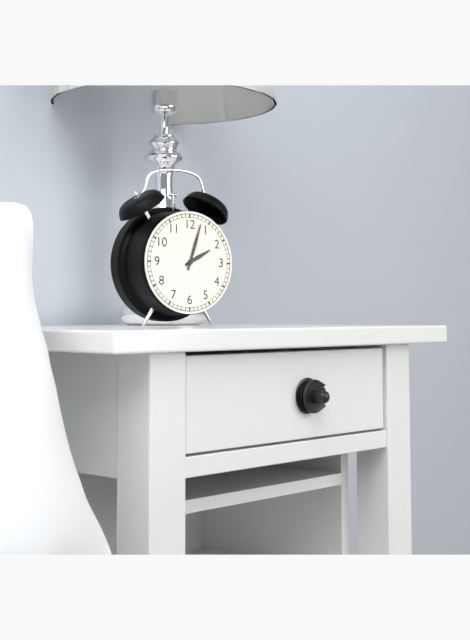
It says 2:03
